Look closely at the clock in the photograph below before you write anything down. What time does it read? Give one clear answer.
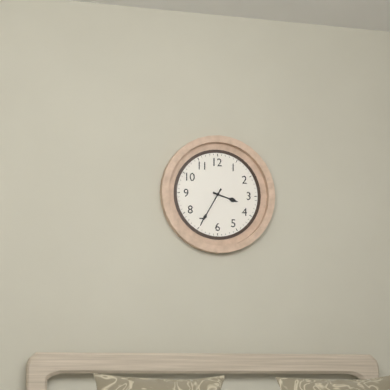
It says 3:35
